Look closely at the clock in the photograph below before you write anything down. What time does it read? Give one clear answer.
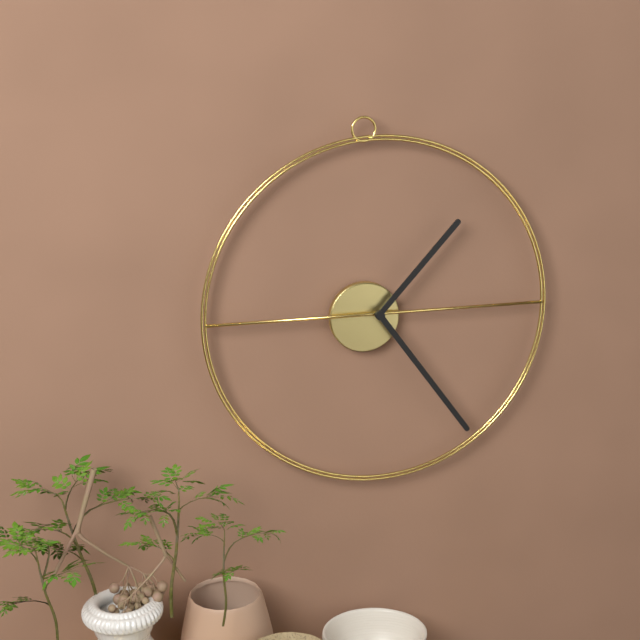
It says 1:24
